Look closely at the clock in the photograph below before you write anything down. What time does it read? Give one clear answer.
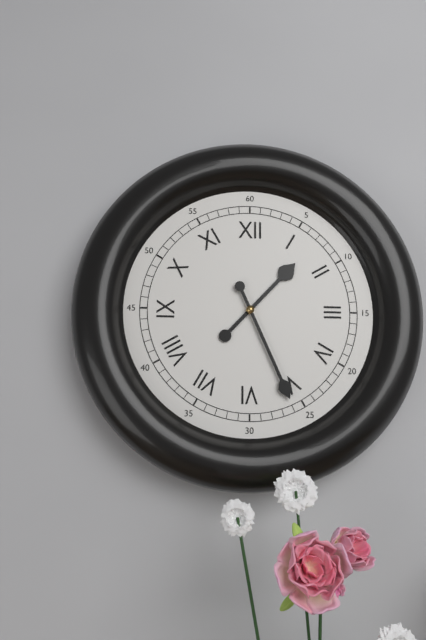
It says 1:26
